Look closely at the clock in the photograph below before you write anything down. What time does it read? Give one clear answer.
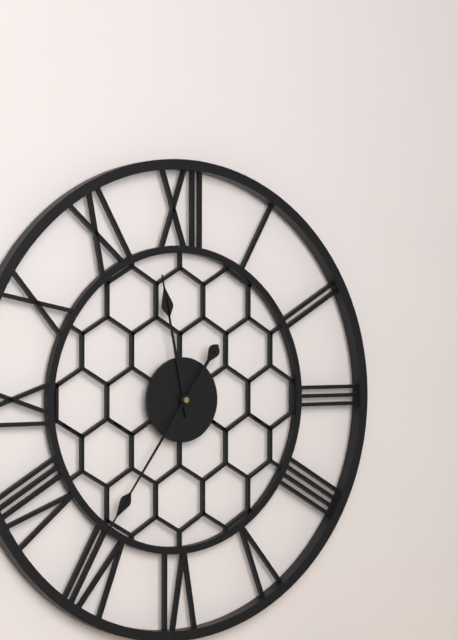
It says 11:36
